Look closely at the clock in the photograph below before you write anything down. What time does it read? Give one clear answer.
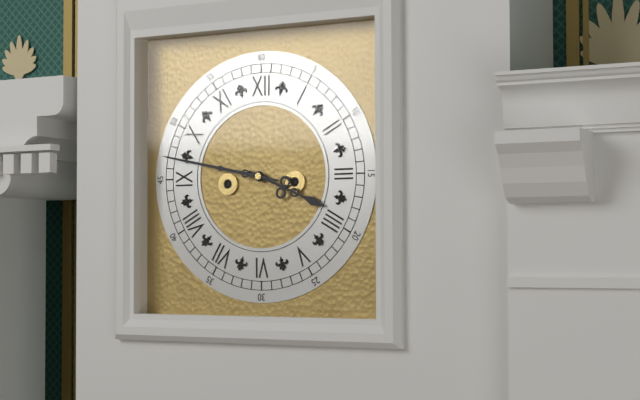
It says 3:47
